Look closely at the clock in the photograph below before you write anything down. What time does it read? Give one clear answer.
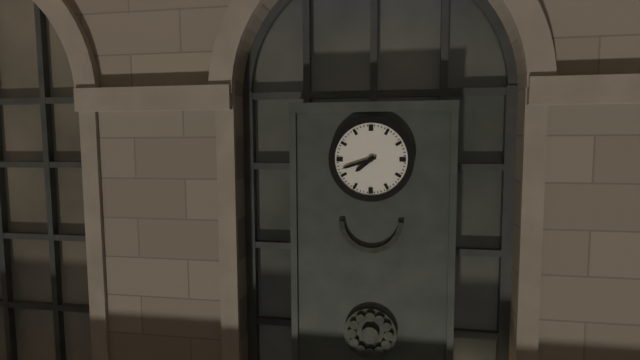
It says 7:42
